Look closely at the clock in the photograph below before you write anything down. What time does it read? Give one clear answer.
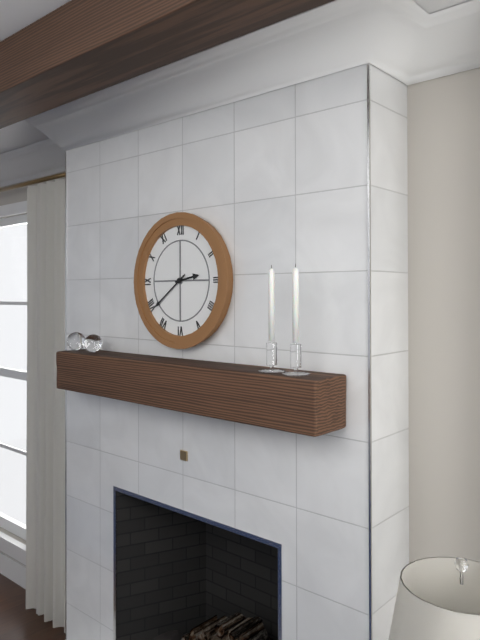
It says 2:39
